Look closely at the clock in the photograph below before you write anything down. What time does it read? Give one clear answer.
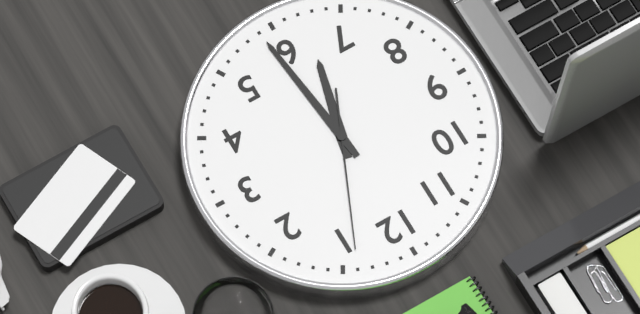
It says 6:29:04
